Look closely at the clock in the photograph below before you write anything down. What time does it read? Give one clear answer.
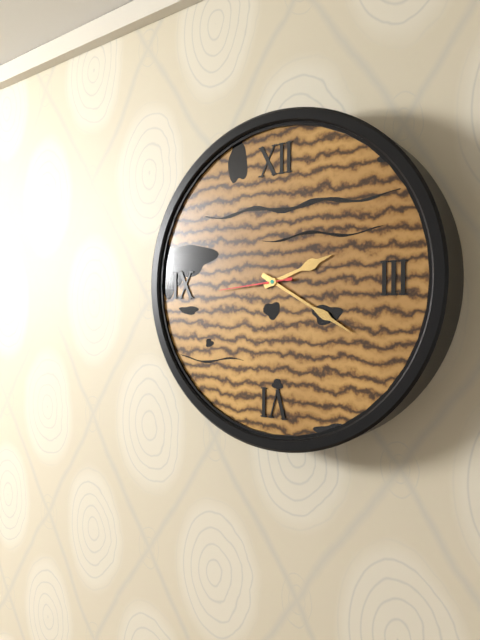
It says 2:20:44
